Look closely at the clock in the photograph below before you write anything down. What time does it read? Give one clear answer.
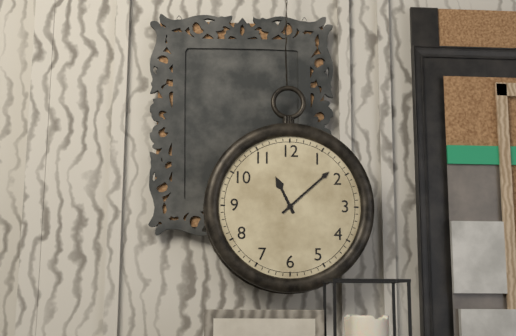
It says 11:08
